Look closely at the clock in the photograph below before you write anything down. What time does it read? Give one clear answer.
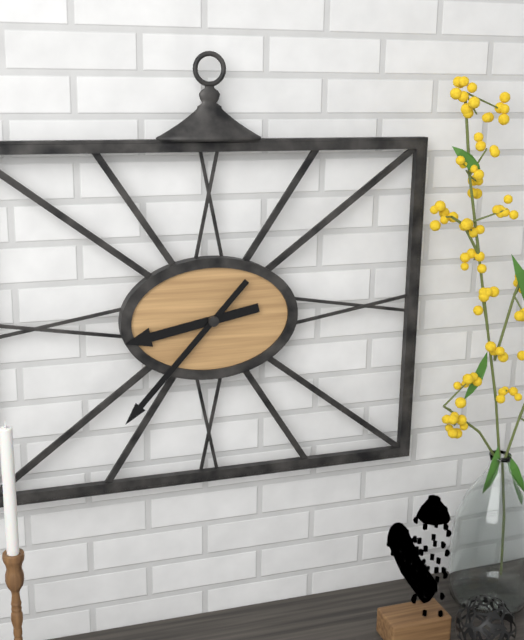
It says 8:37
